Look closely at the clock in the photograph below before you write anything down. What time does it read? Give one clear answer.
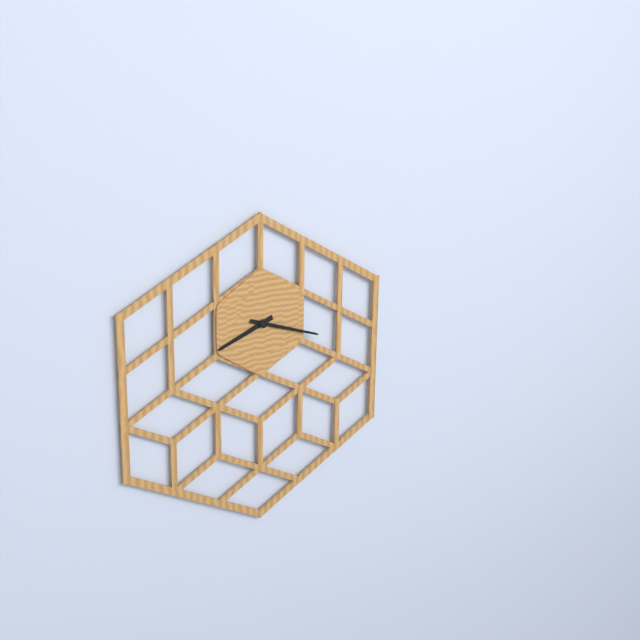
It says 8:18
